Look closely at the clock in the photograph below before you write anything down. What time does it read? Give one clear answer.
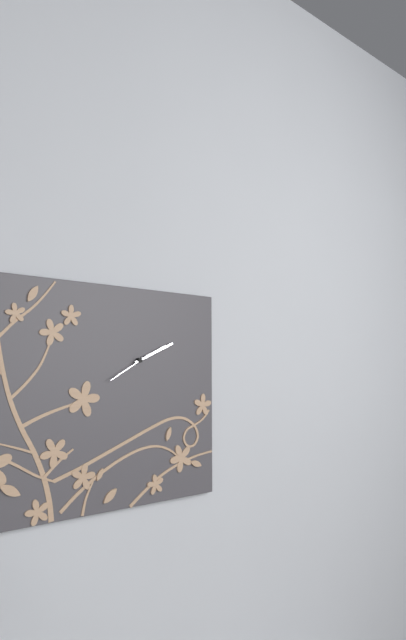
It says 2:11
